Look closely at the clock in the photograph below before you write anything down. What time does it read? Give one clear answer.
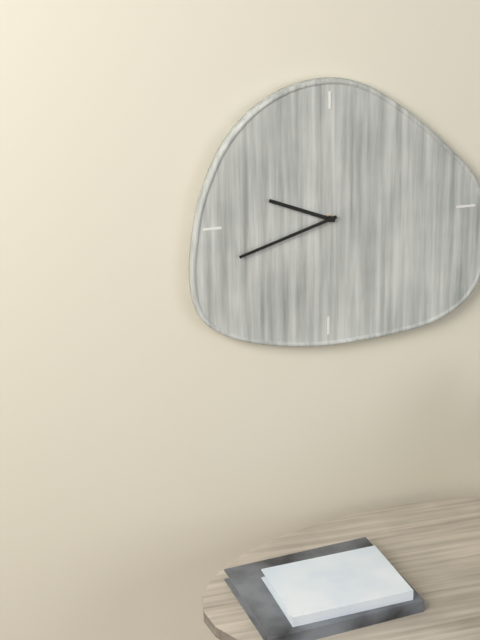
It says 9:42
